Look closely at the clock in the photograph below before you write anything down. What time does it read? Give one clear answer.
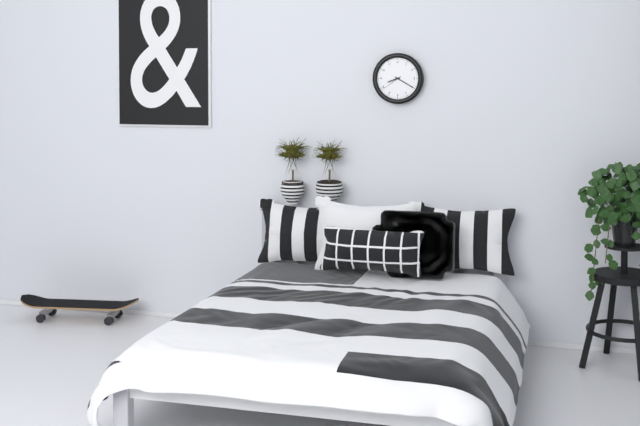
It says 8:20
